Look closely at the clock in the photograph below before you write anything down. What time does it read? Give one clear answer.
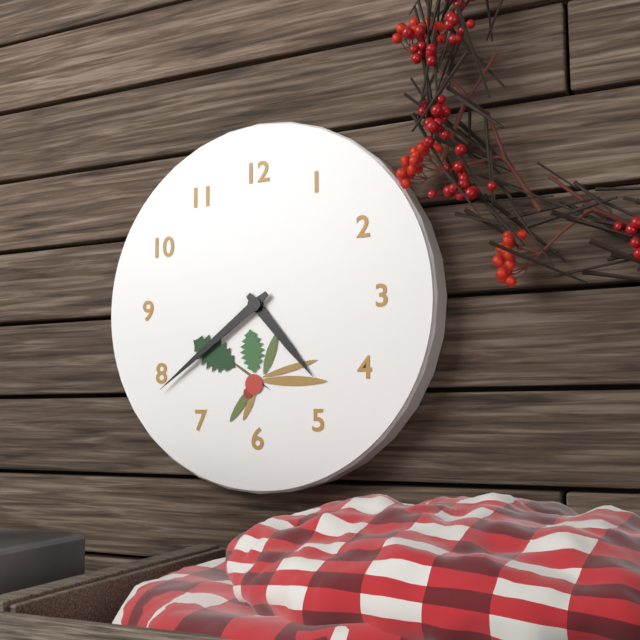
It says 4:39
